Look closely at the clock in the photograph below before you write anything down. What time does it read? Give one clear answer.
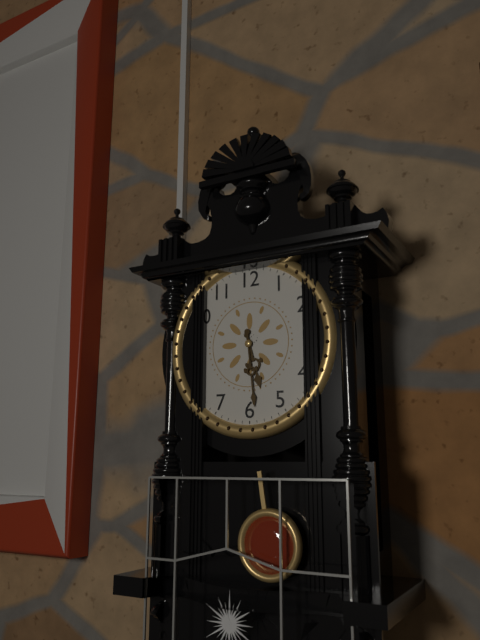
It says 5:29
